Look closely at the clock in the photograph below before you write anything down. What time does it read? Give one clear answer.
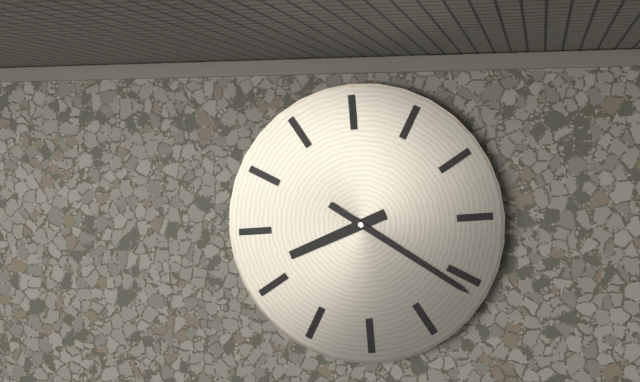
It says 8:21
